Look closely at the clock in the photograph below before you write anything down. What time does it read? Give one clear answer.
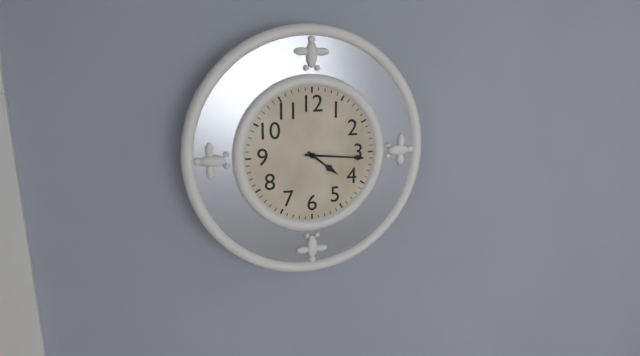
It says 4:16
